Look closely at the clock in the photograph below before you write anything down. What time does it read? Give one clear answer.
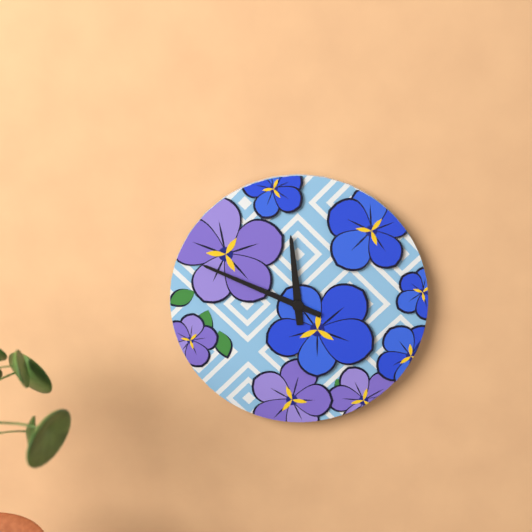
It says 11:49
